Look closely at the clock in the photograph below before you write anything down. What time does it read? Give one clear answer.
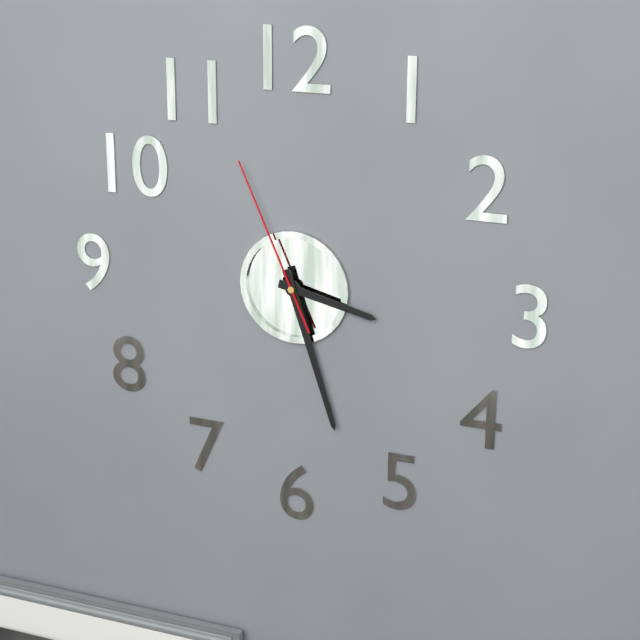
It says 3:27:56
